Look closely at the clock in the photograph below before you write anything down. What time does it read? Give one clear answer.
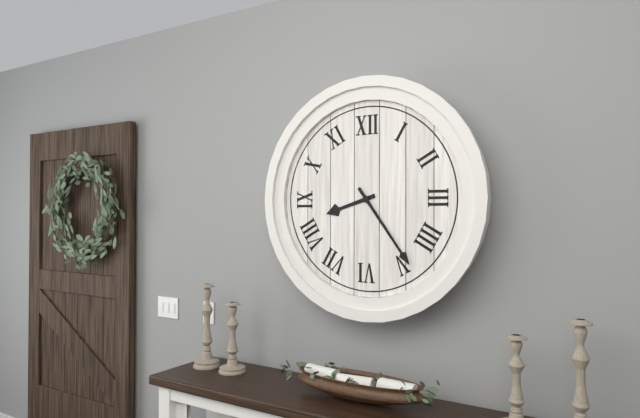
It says 8:24
